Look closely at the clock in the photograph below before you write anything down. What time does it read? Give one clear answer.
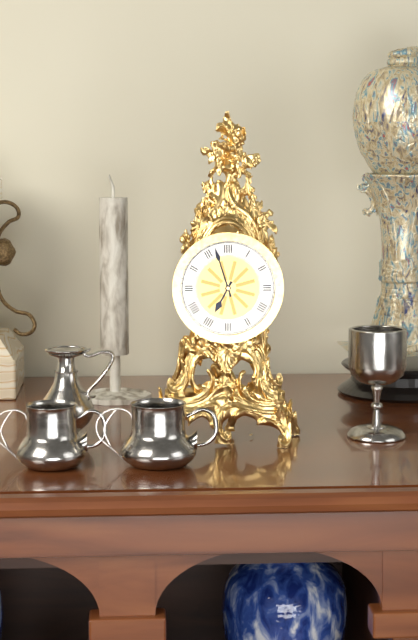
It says 6:57
